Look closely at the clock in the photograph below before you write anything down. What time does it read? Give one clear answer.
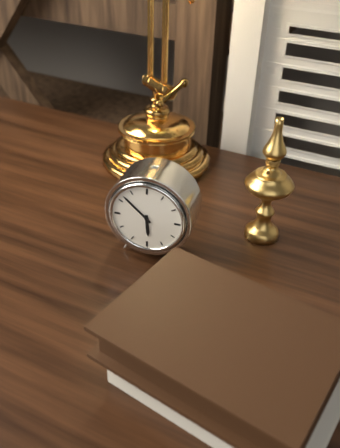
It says 5:52
